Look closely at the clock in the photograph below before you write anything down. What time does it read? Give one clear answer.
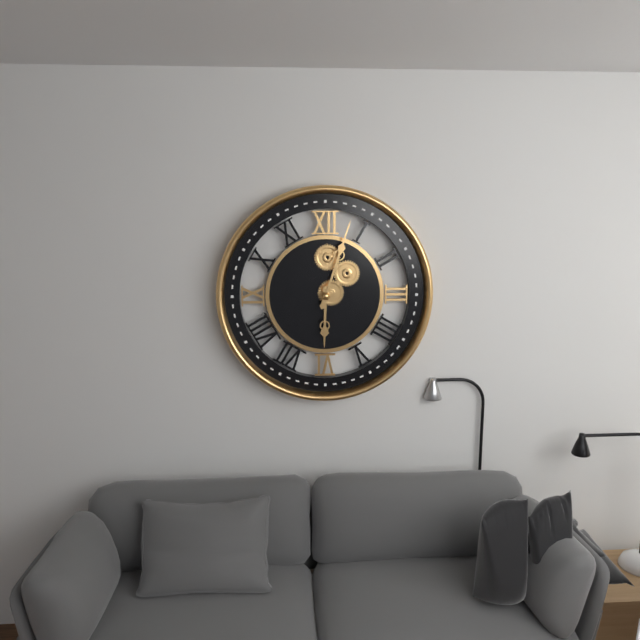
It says 6:03
